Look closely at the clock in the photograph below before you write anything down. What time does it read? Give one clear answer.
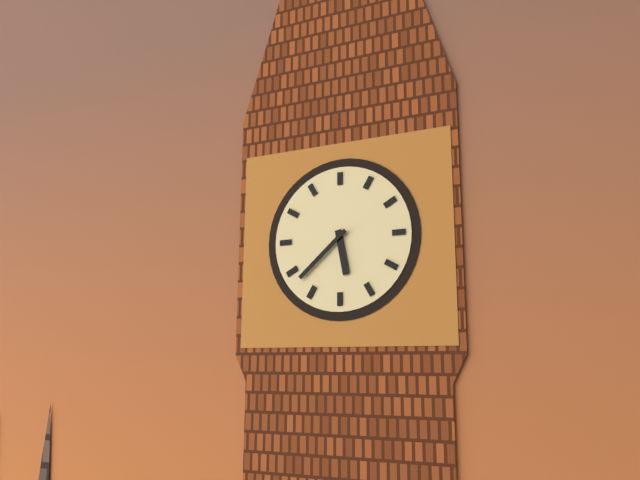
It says 5:38
